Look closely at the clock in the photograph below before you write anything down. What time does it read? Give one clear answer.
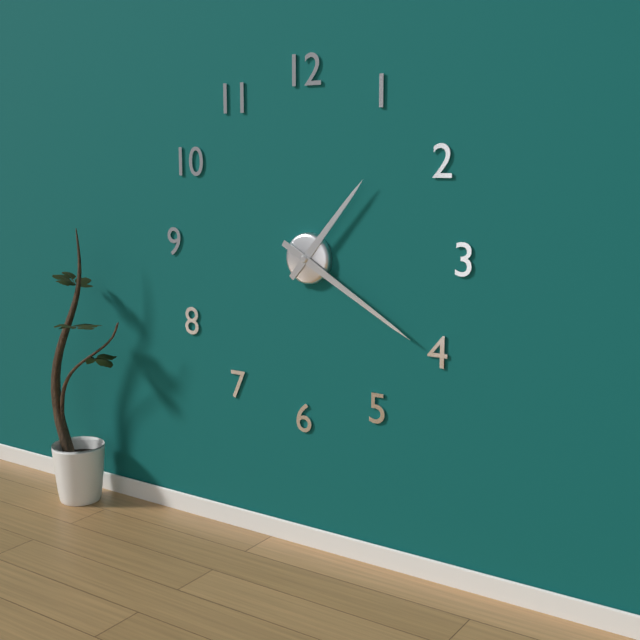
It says 1:20
